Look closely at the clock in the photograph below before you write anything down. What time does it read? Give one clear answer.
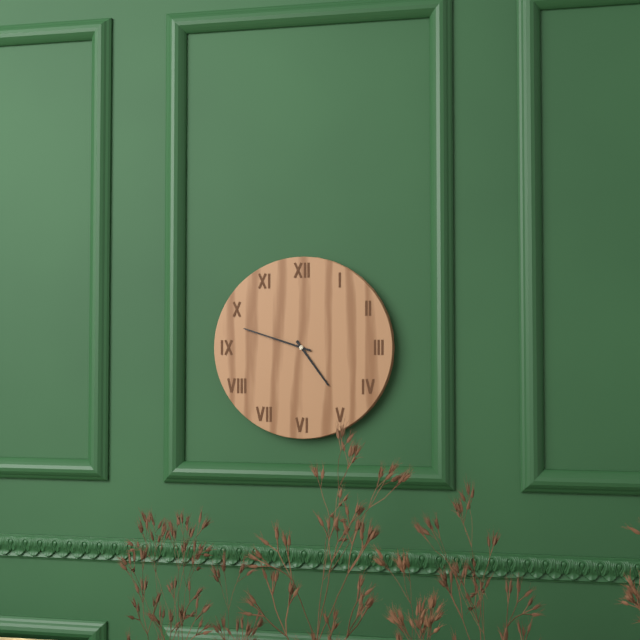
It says 4:48
